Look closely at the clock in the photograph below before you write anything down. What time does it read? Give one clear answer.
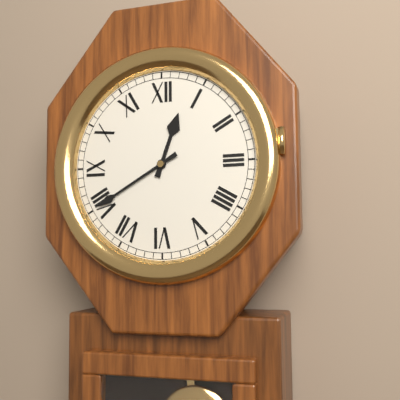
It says 12:40
